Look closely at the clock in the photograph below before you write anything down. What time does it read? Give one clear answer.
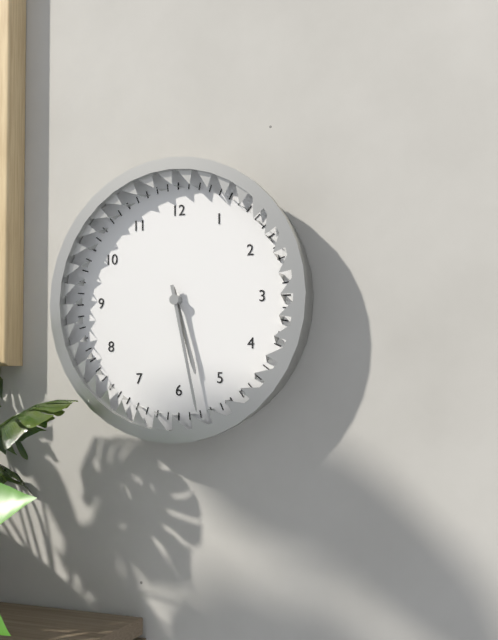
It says 5:28
